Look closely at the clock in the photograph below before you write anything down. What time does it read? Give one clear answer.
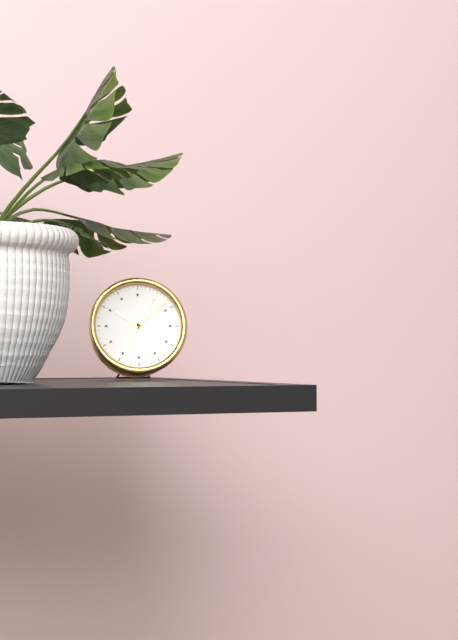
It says 10:08
